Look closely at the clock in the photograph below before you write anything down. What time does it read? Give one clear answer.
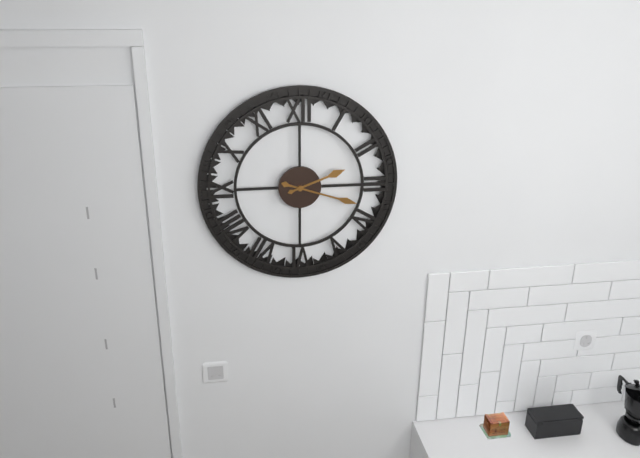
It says 2:18
